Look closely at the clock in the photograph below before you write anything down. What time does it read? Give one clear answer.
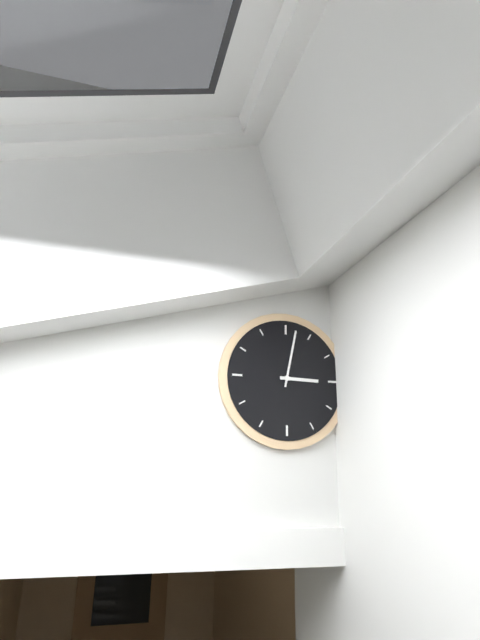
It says 3:02
